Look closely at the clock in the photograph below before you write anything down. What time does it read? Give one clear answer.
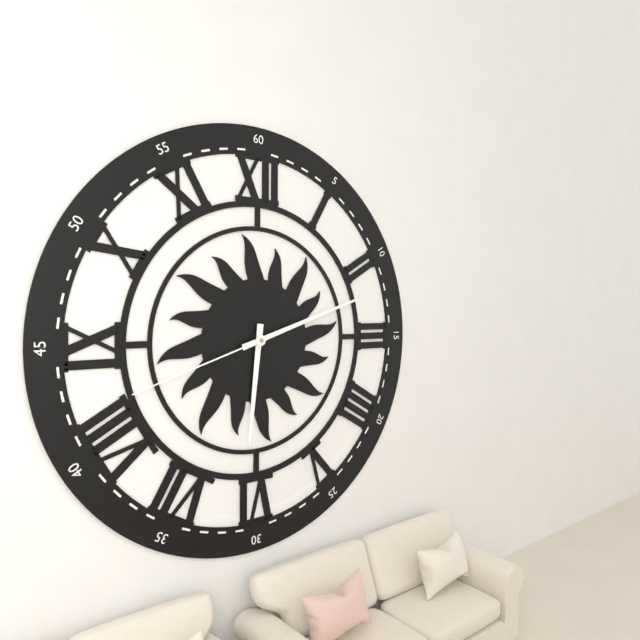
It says 6:12:42
